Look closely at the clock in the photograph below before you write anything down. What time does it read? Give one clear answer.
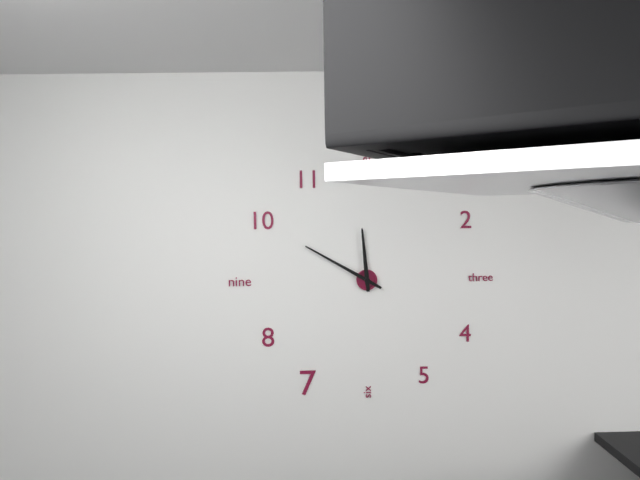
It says 11:50
